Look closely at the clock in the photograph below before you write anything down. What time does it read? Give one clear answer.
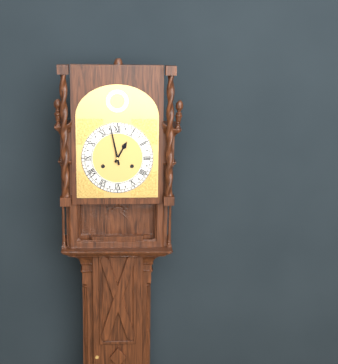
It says 12:58
